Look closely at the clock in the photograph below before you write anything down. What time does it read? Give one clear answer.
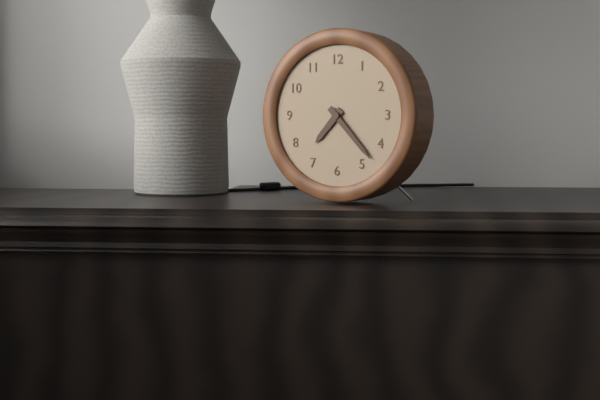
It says 7:23
